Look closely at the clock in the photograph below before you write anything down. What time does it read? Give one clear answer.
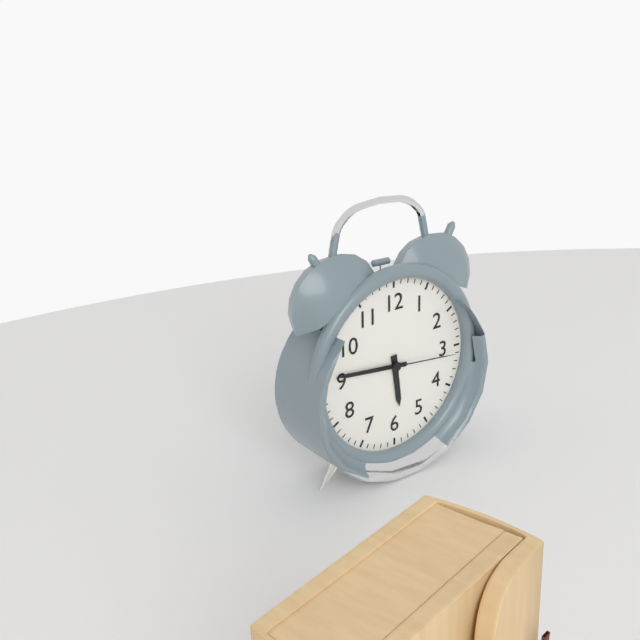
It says 5:46:16
